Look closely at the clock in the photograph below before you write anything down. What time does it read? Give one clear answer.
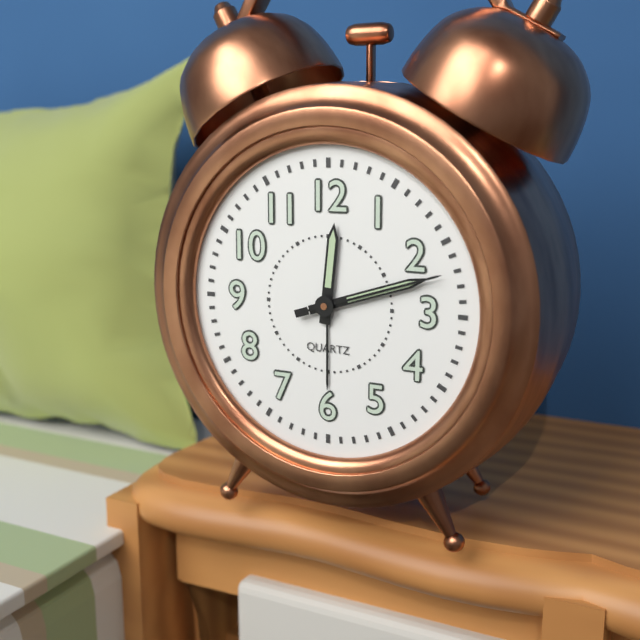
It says 12:12:12
